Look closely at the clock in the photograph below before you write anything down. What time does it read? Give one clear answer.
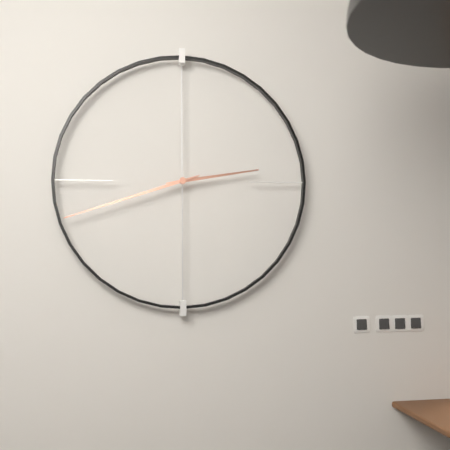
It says 2:42
